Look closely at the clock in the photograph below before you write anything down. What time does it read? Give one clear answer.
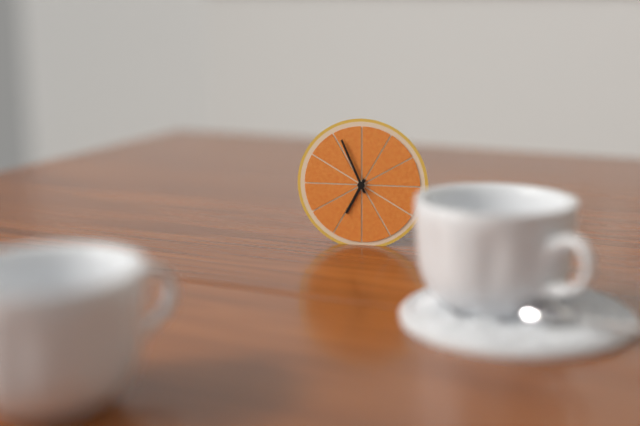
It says 6:56
